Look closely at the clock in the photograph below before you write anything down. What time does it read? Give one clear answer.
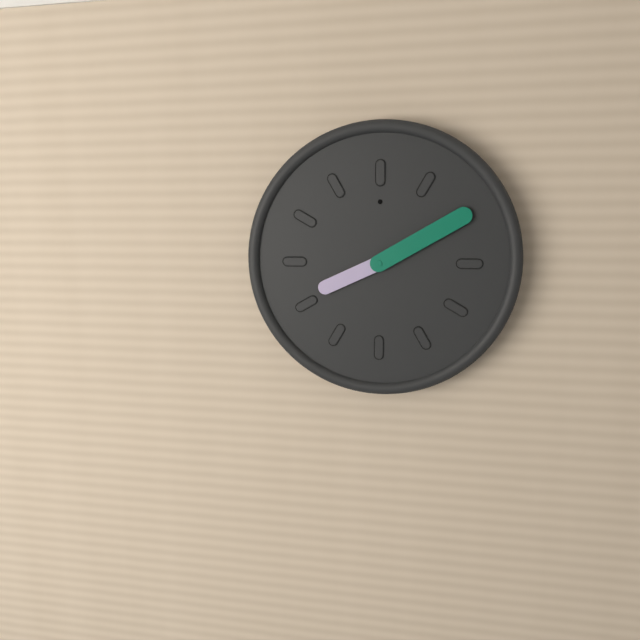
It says 8:10
